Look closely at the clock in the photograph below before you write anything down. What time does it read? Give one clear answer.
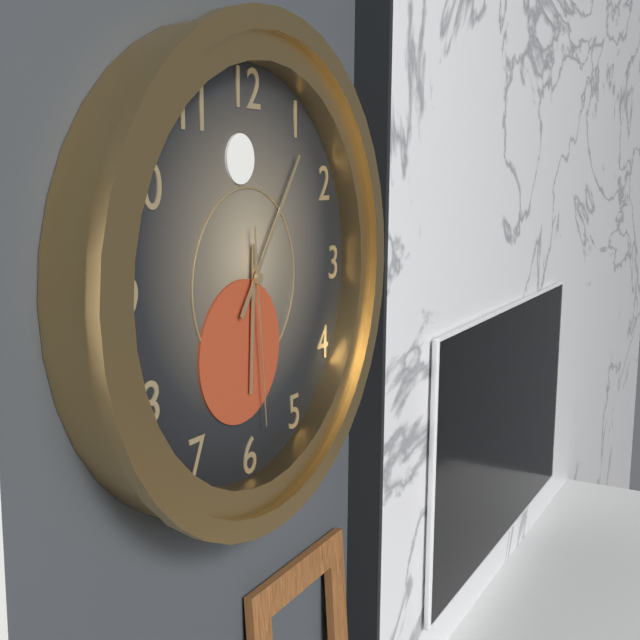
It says 6:06:29
